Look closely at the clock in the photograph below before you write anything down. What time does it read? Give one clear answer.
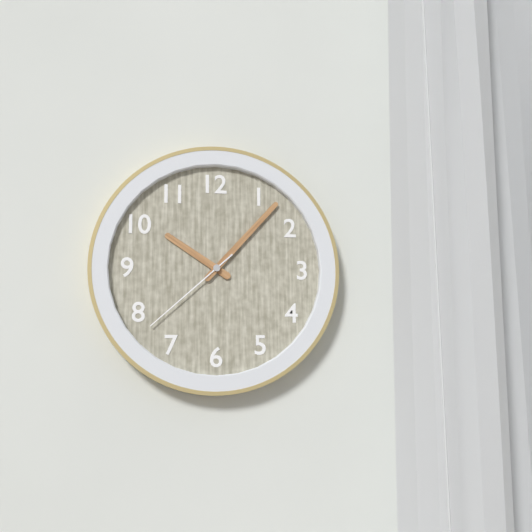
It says 10:07:38
